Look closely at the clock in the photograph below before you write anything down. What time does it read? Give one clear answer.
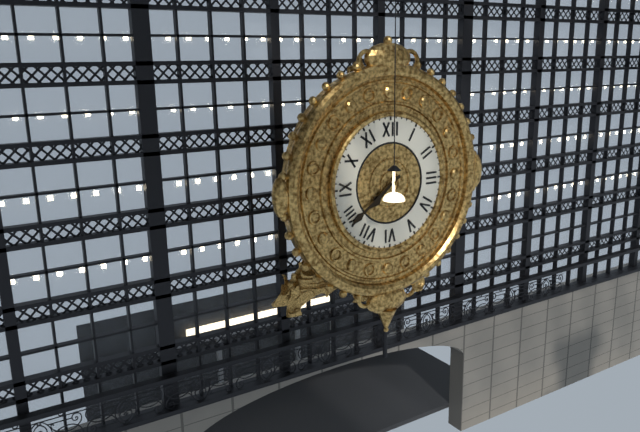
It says 7:39
